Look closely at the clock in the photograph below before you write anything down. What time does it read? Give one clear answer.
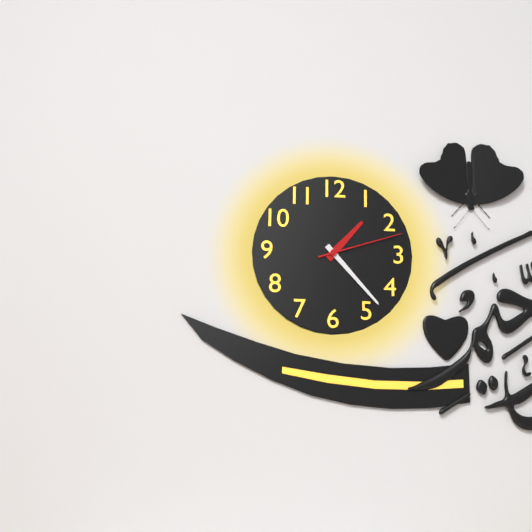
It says 1:23:12
